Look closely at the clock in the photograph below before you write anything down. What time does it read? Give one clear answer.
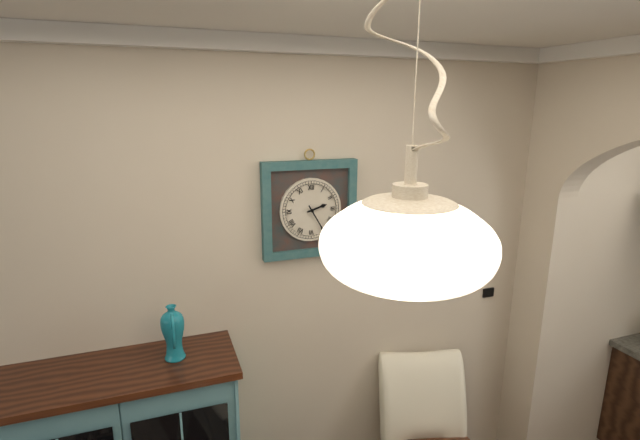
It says 2:25
